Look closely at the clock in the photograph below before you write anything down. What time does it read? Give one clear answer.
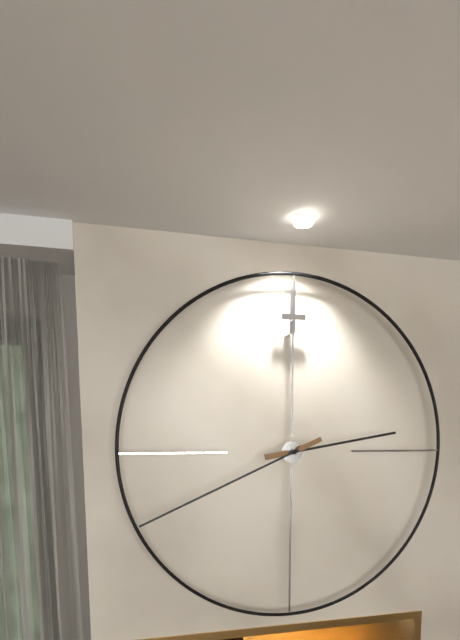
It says 2:41
